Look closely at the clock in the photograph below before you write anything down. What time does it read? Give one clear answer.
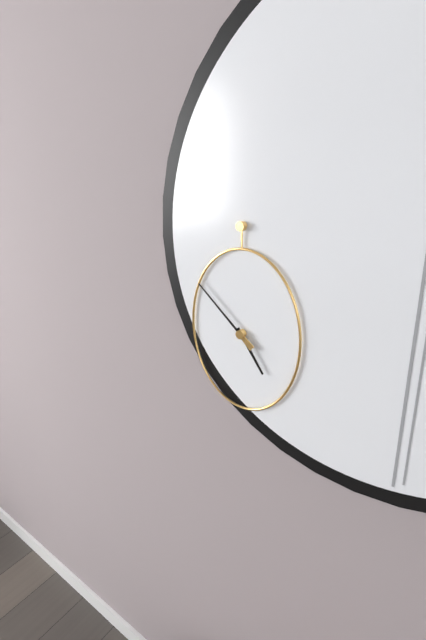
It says 4:52
